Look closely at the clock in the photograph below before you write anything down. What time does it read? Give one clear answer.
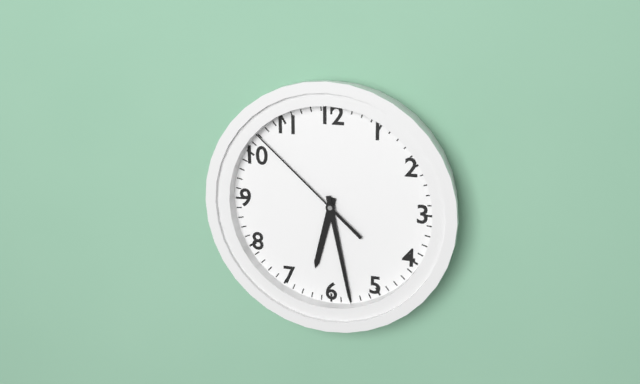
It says 6:28:52
